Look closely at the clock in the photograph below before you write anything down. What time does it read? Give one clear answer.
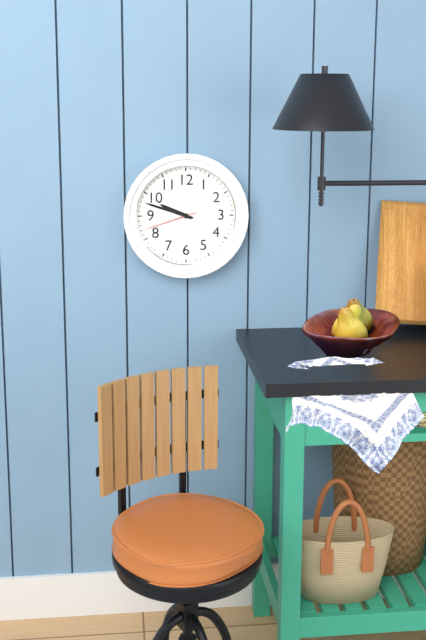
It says 9:48:42
